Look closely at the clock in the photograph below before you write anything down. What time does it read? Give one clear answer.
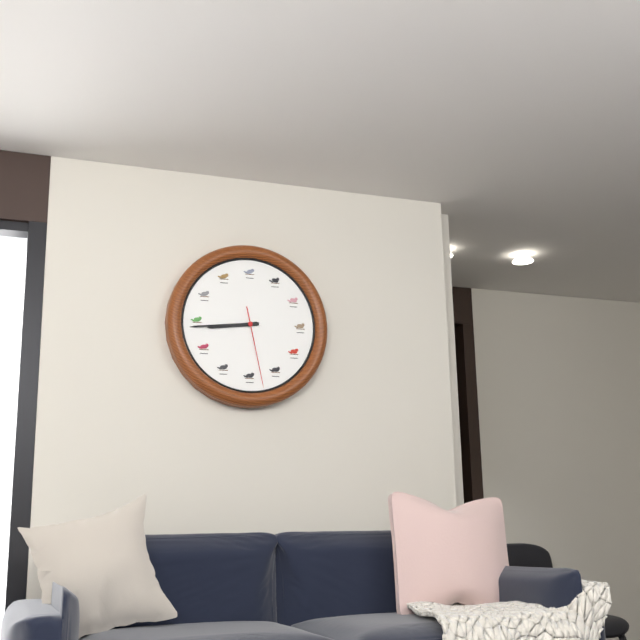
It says 8:44:28
